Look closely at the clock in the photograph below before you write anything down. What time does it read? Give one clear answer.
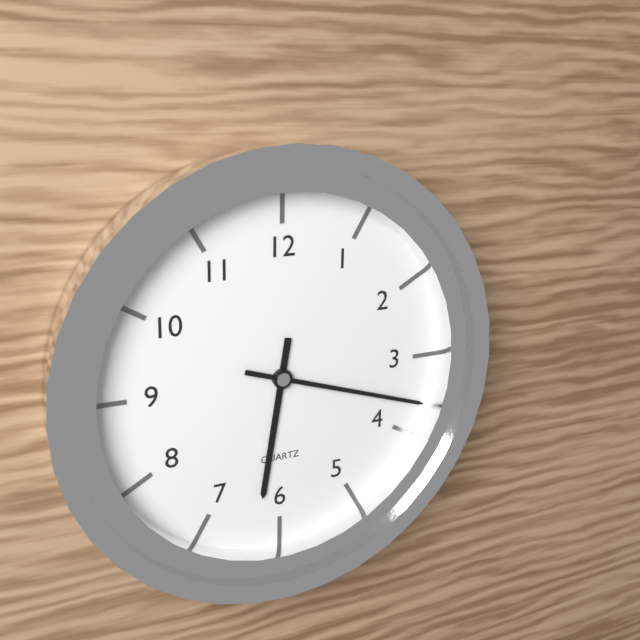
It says 6:18
